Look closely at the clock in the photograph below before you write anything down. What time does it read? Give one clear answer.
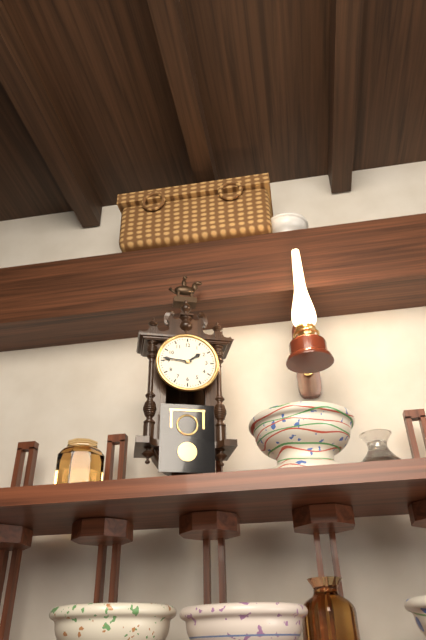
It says 1:46
